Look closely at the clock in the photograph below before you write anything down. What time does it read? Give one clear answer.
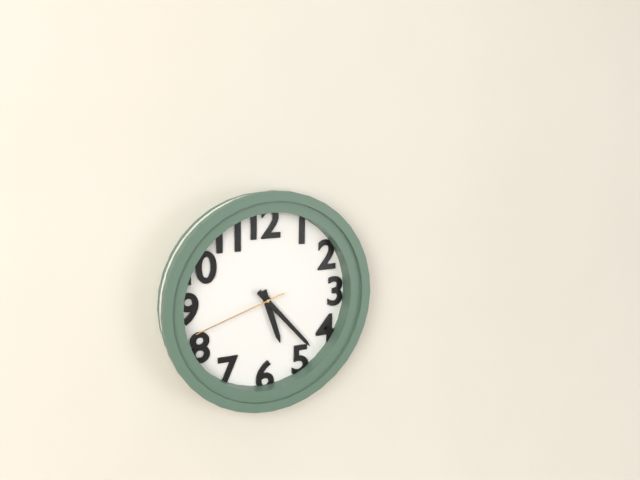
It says 5:23:42
